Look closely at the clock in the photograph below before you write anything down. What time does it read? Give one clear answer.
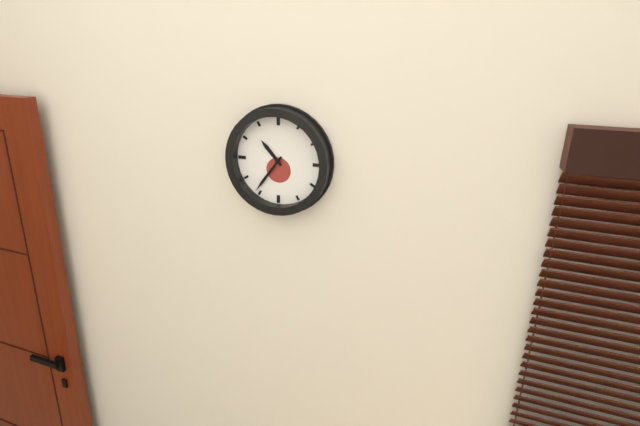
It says 10:36
